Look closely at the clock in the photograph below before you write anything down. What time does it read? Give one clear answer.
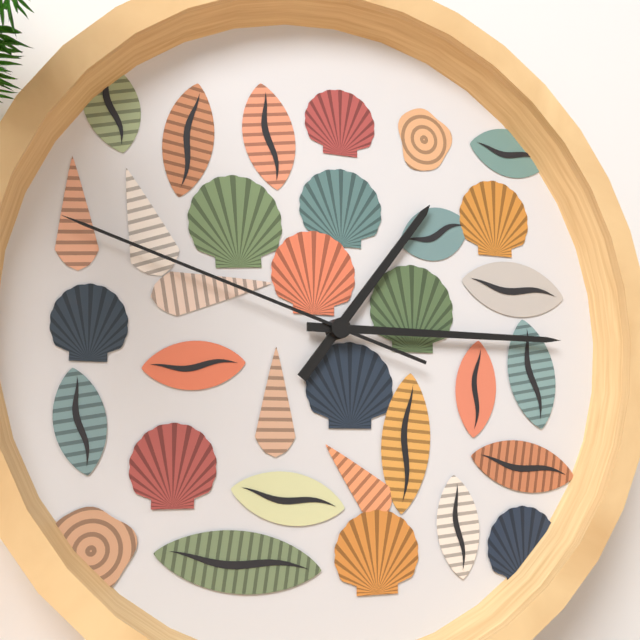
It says 1:15:48
